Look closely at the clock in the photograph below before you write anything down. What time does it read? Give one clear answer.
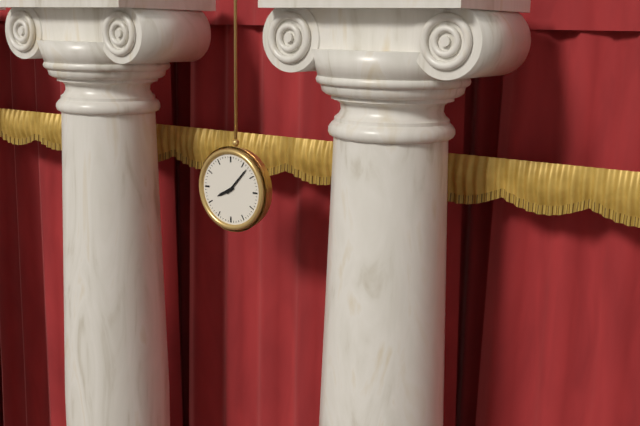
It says 8:07
